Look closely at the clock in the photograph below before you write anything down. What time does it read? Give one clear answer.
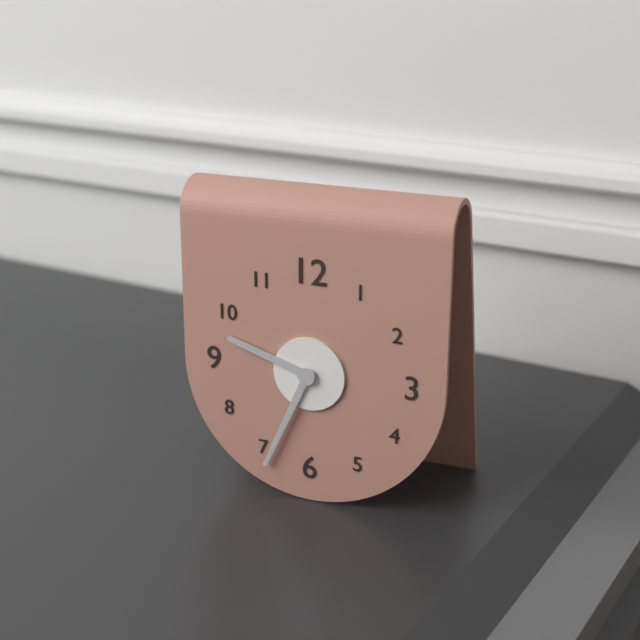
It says 9:34
